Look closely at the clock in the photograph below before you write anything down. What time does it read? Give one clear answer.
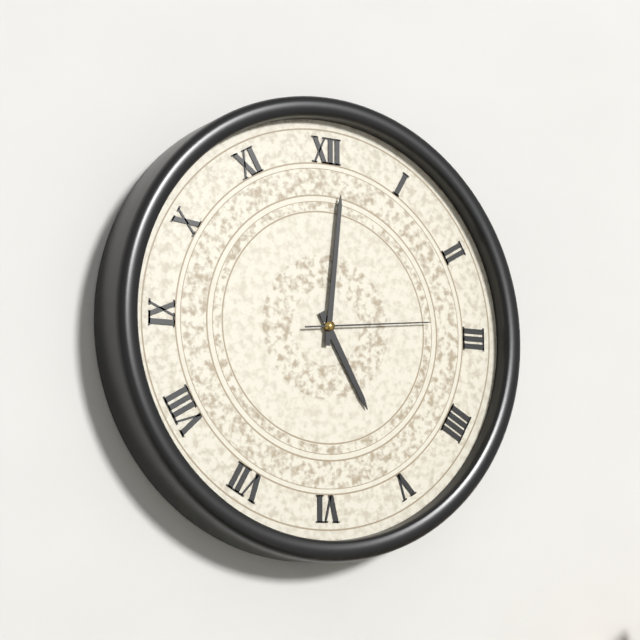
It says 5:01:14
